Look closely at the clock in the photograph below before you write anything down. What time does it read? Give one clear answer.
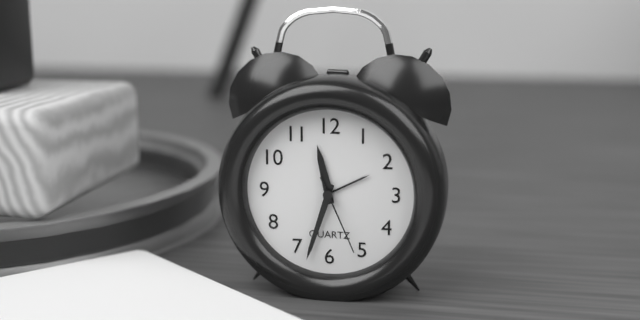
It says 11:33:26
